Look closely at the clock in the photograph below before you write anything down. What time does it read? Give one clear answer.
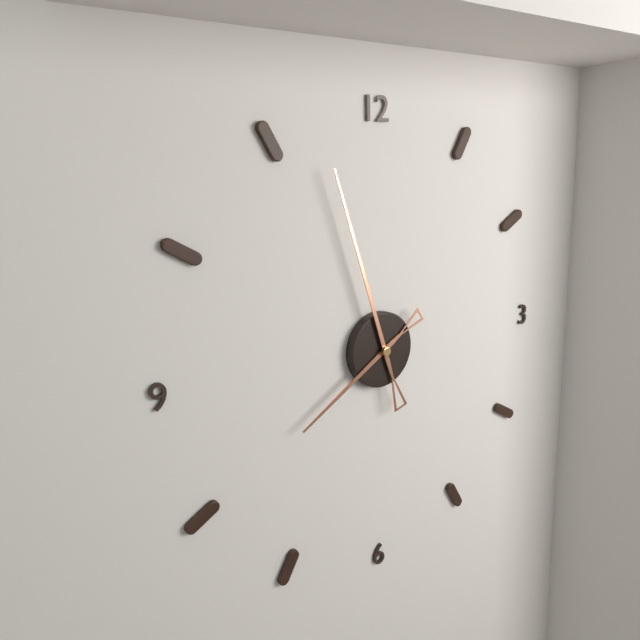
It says 7:57
